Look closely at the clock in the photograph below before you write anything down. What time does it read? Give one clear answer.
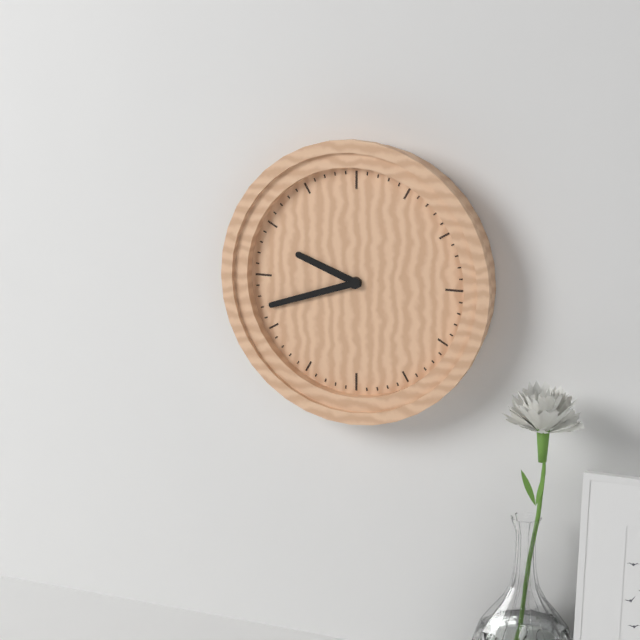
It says 9:42
